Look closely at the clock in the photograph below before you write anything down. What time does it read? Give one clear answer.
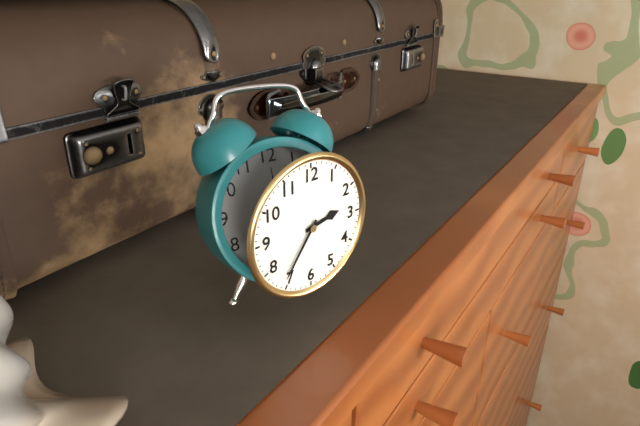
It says 2:36
